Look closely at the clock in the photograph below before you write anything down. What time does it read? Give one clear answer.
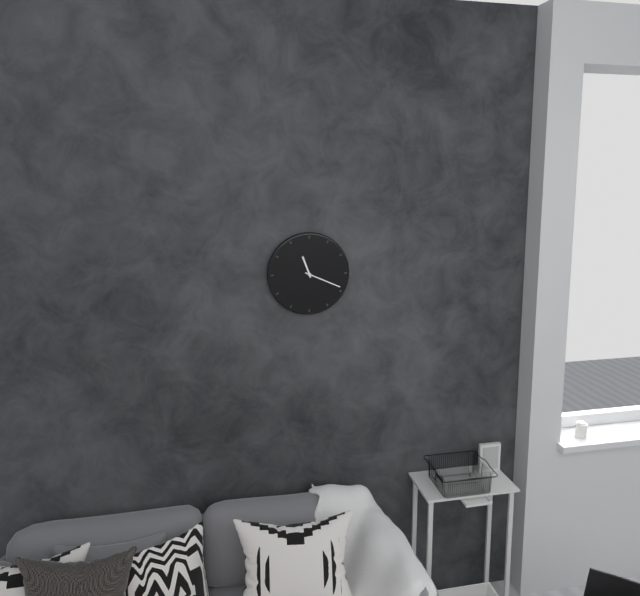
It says 11:19
